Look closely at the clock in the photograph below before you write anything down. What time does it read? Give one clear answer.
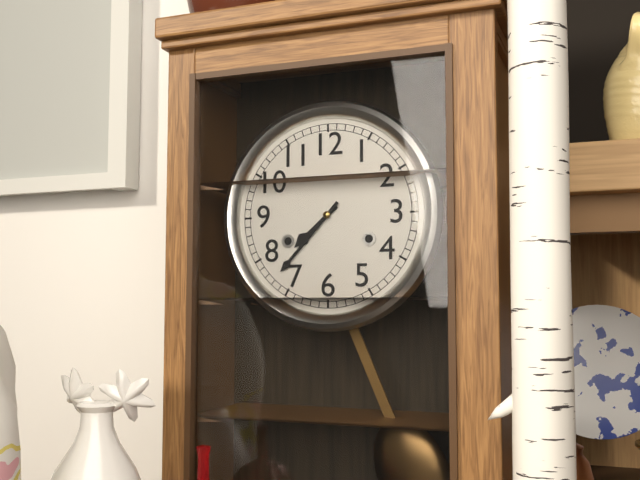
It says 7:37
